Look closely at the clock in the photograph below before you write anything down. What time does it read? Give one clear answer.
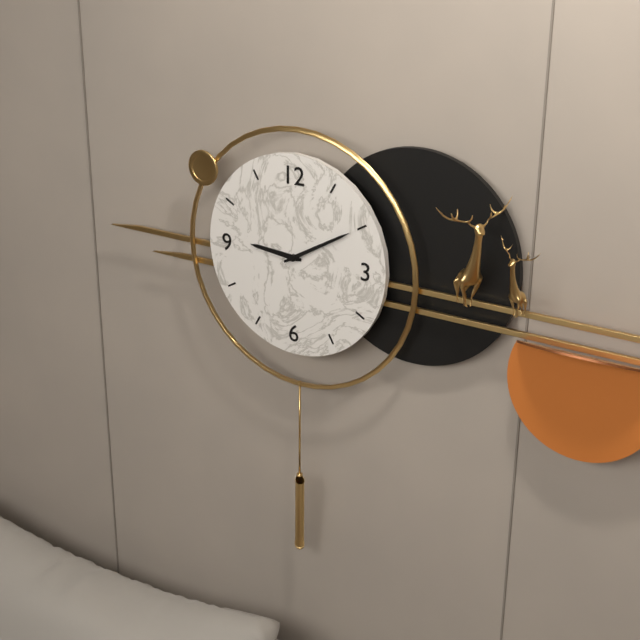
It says 9:10
